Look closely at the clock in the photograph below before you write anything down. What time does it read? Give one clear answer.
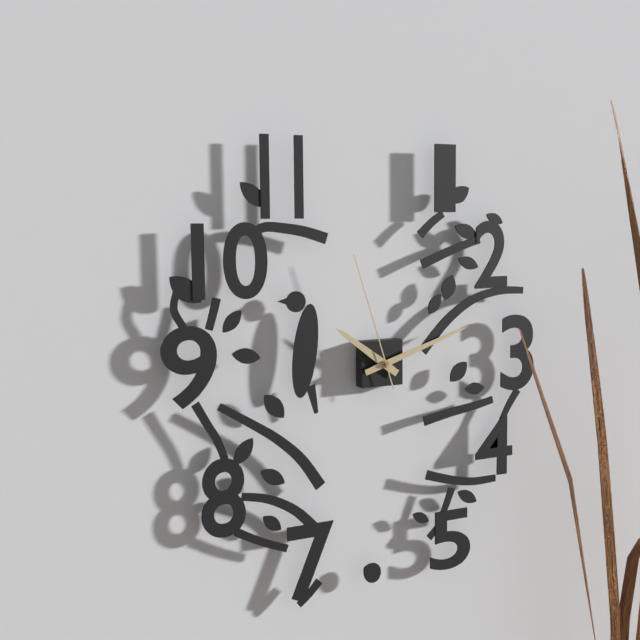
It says 10:12:57
